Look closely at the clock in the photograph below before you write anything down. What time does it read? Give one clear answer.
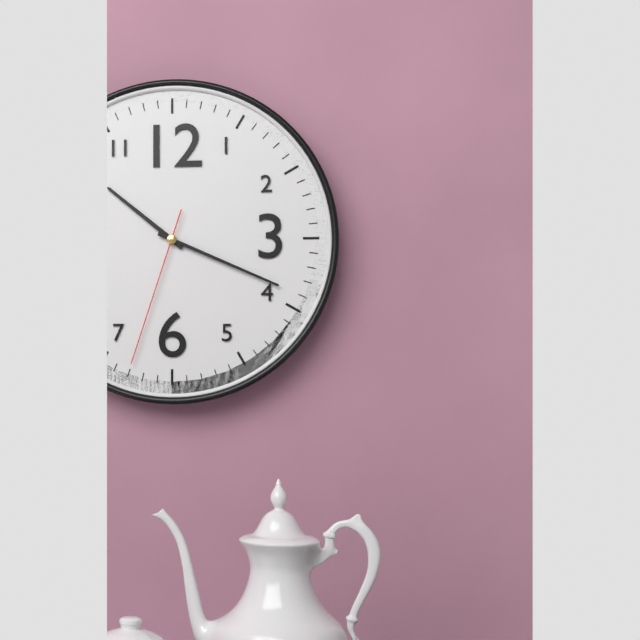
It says 10:19:33
